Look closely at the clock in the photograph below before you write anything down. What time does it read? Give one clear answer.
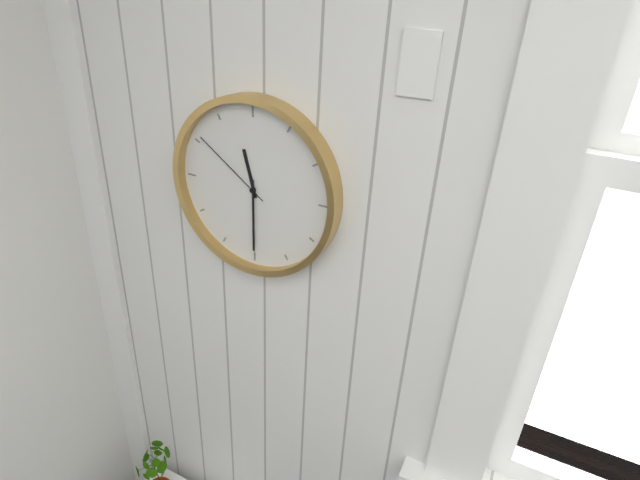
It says 11:30:51
